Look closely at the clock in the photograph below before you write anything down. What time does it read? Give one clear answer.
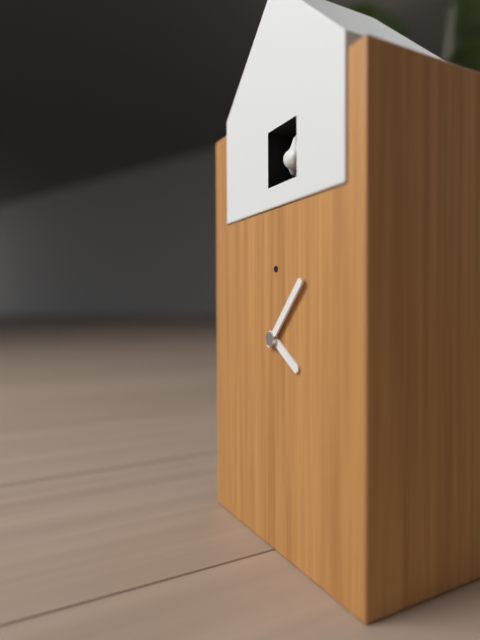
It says 4:07
